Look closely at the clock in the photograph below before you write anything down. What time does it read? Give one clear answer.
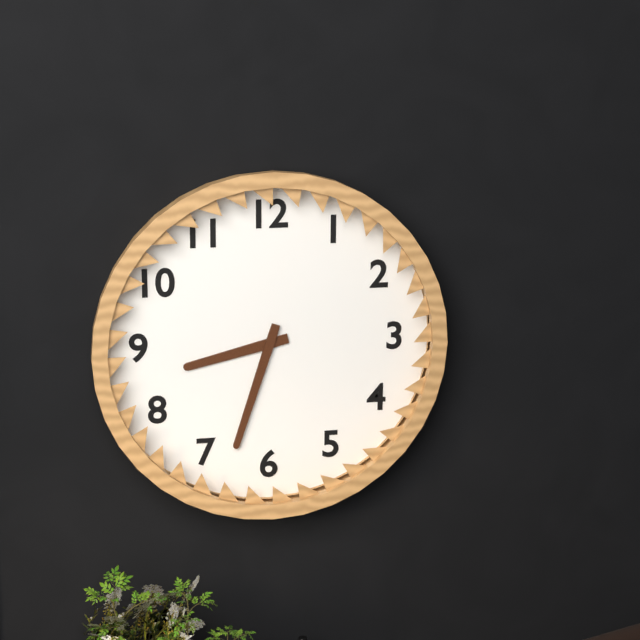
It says 8:33
